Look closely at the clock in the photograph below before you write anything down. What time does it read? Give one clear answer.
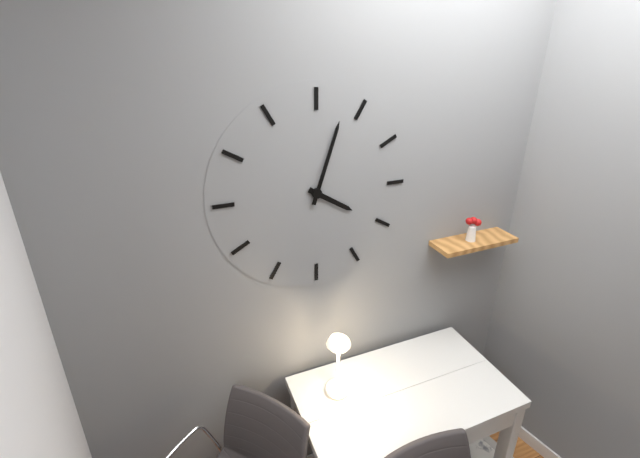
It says 4:03
